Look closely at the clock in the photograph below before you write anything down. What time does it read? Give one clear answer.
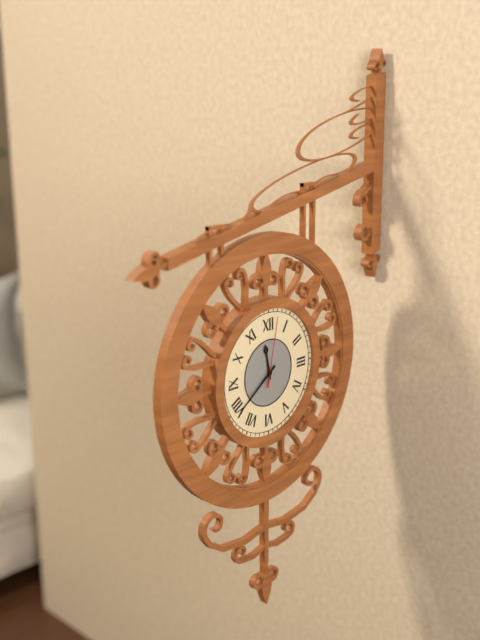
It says 11:39:02
